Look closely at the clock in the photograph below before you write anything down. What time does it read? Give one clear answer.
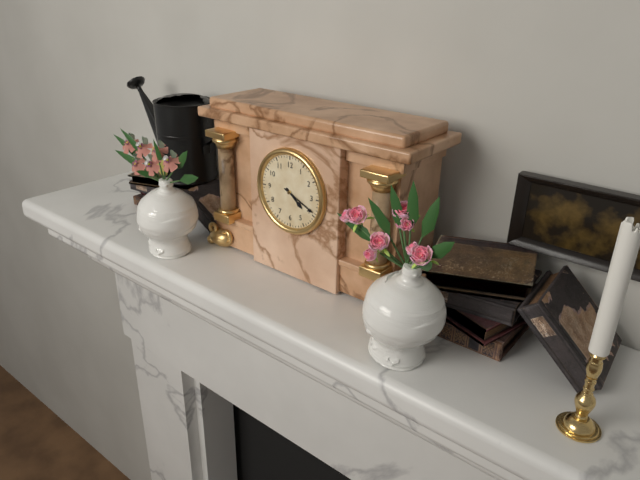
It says 4:19
